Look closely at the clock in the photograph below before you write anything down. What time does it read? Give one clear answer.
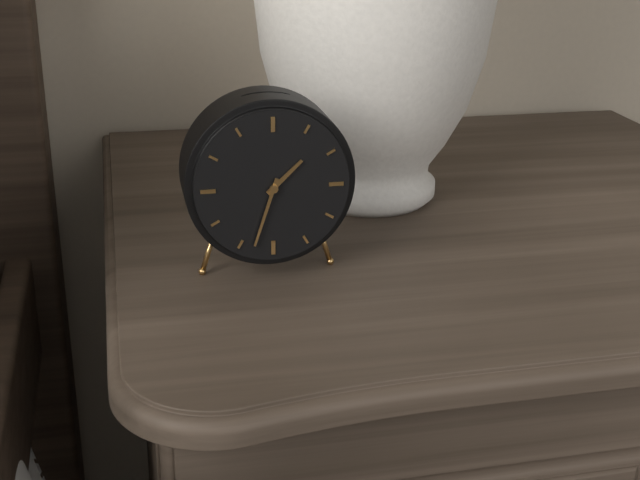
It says 1:33
